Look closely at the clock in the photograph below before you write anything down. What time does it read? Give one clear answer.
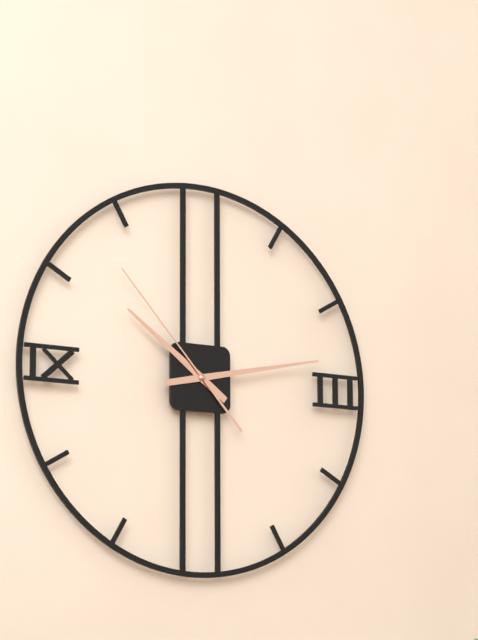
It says 10:13:53
